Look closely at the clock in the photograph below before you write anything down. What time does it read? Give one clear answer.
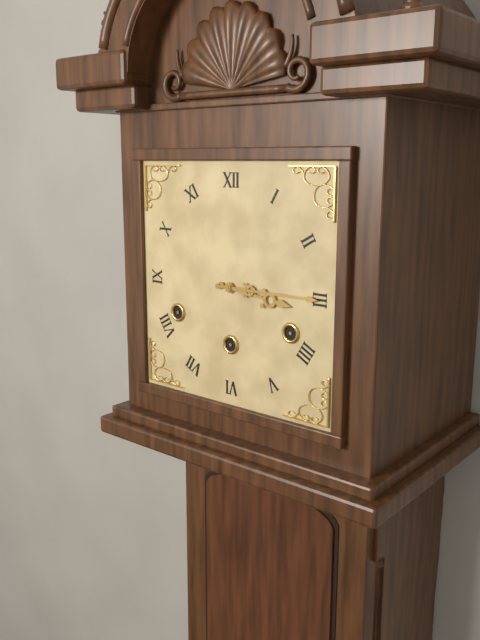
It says 3:15
